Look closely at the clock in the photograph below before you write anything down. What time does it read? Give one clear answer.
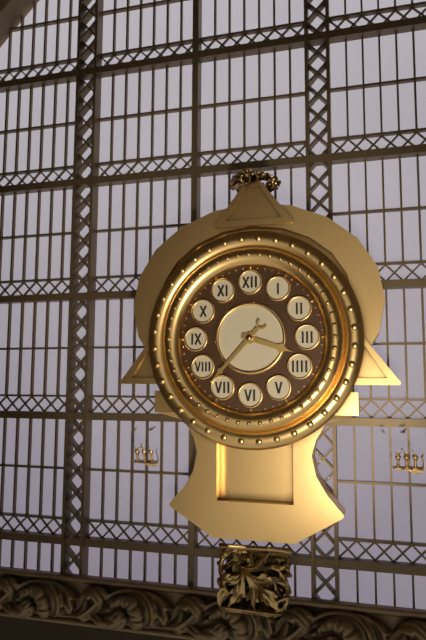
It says 3:37
